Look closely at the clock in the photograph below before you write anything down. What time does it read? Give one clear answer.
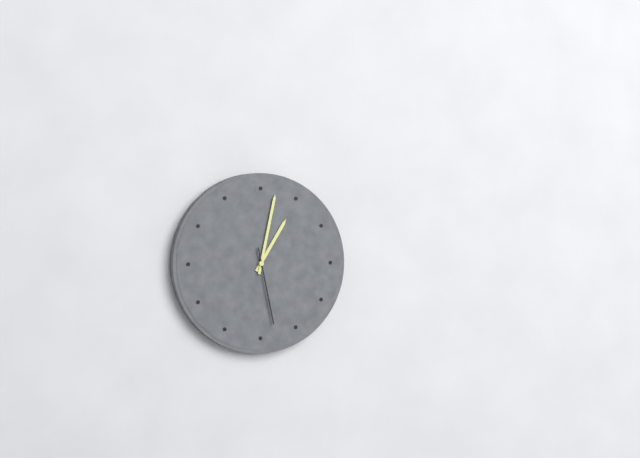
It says 1:02:28
